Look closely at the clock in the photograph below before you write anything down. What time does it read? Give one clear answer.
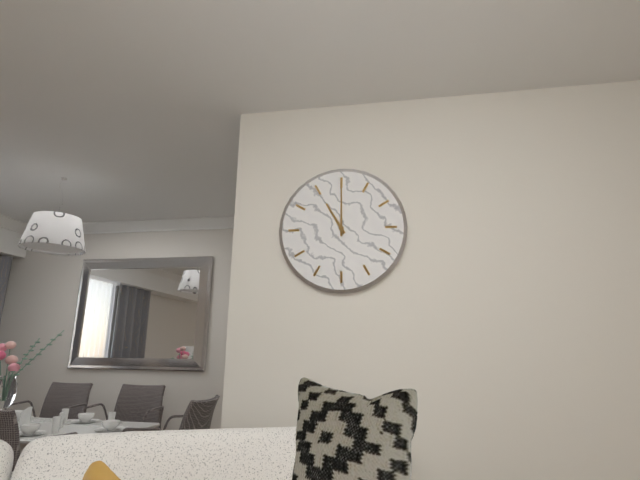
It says 11:00
